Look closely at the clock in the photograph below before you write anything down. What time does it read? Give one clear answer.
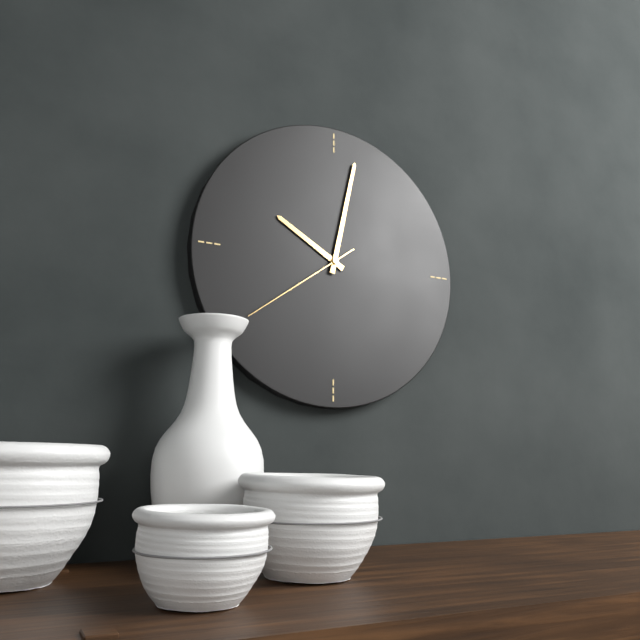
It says 10:02:39
